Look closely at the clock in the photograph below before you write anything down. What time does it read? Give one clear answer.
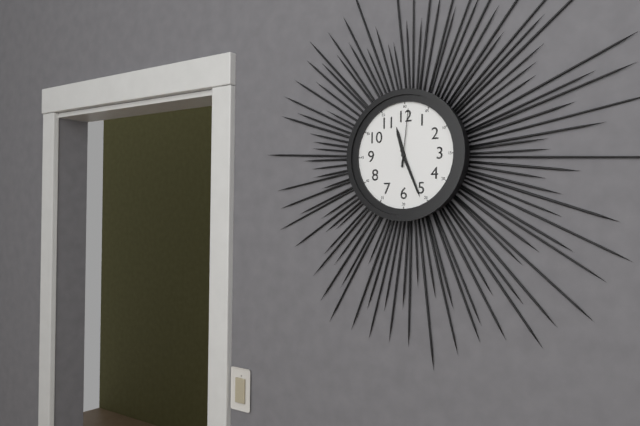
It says 11:26:01
